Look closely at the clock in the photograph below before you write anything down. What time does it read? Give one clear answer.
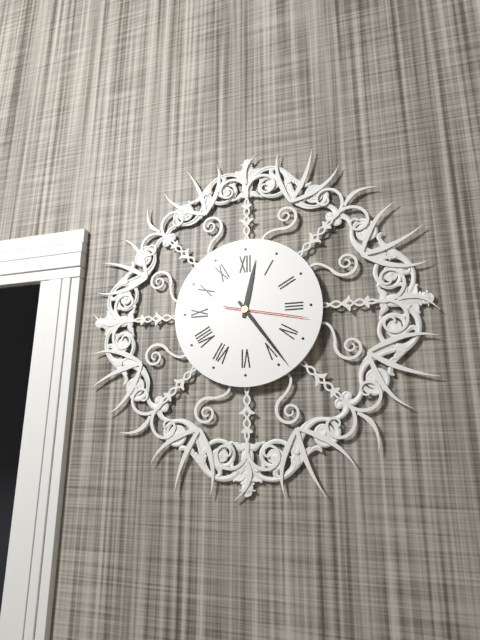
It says 12:24:17
